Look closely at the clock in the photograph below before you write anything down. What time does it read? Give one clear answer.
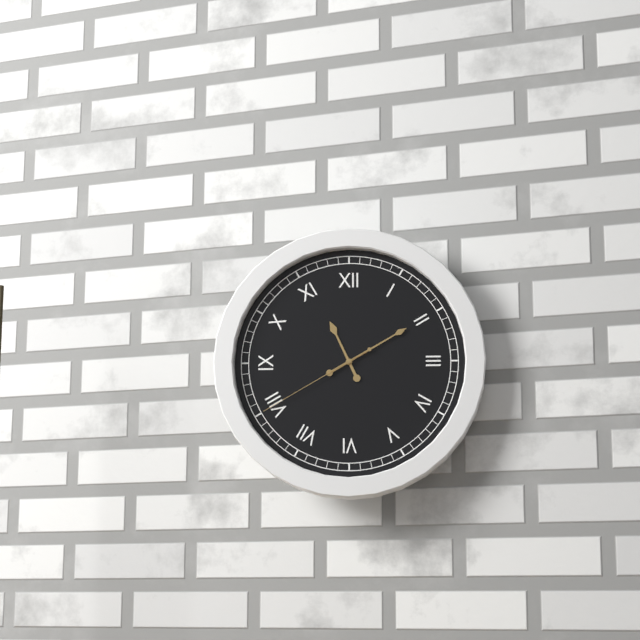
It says 11:10:40
